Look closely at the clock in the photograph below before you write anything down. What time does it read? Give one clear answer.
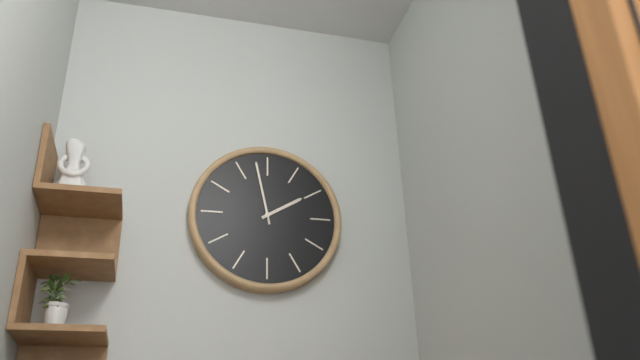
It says 1:58
